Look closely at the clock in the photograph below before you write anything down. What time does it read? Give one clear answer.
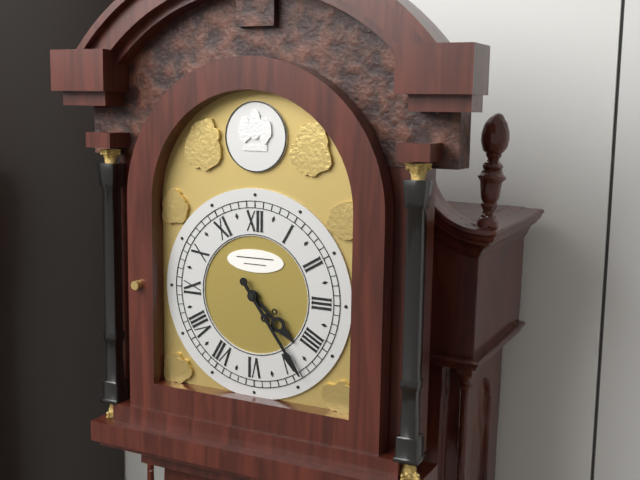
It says 4:24
